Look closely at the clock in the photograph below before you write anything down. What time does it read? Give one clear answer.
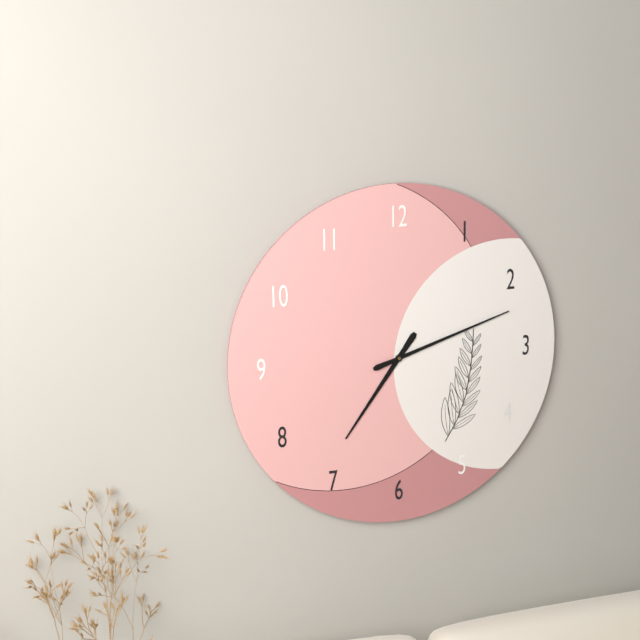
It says 7:12
